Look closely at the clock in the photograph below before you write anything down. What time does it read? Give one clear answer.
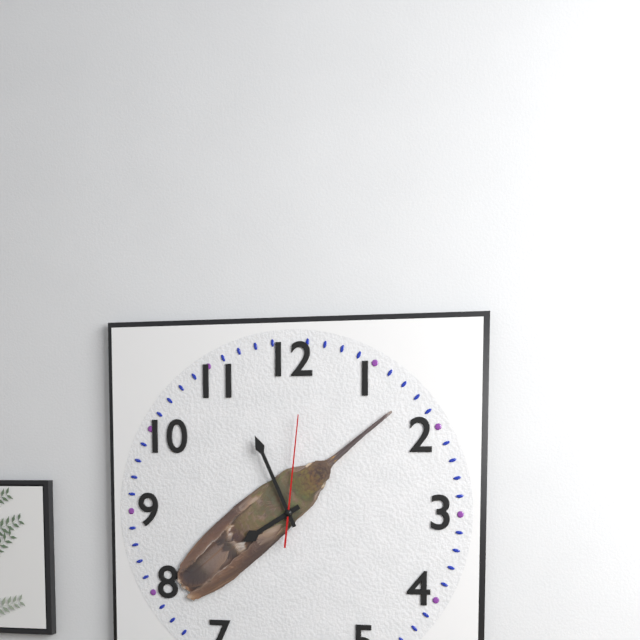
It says 7:56:01
